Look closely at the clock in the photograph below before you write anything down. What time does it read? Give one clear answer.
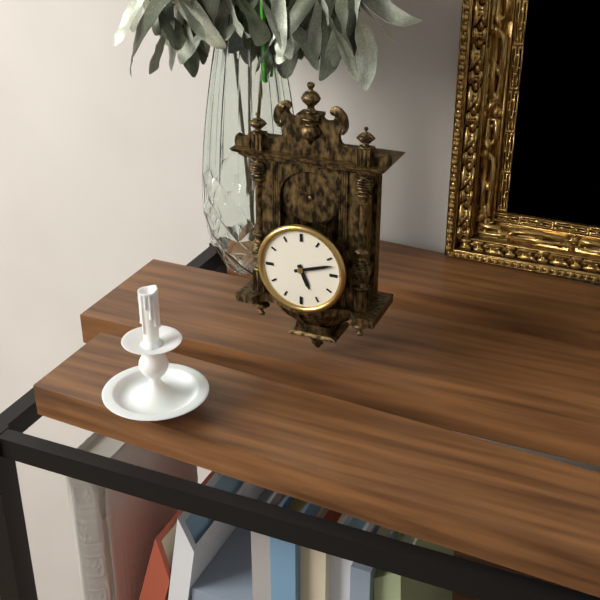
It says 5:12
